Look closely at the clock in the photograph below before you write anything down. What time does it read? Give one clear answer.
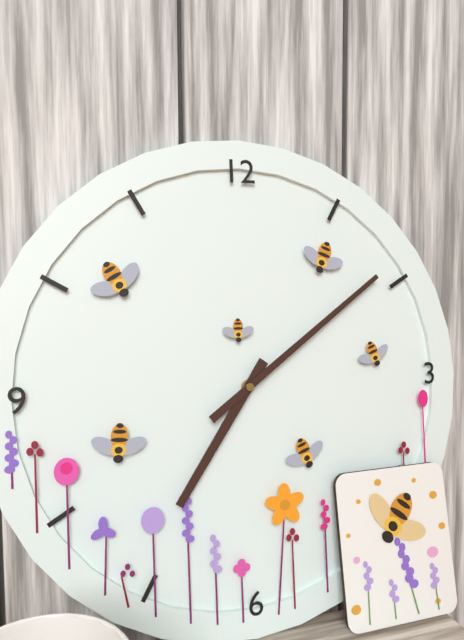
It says 7:09
